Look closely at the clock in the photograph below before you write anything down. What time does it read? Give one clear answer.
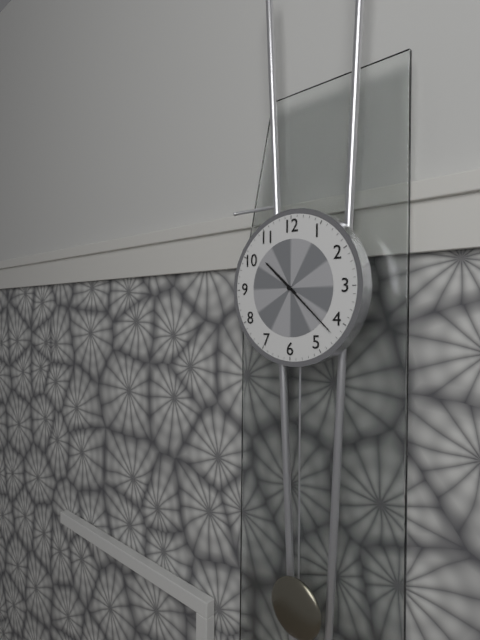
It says 10:22
